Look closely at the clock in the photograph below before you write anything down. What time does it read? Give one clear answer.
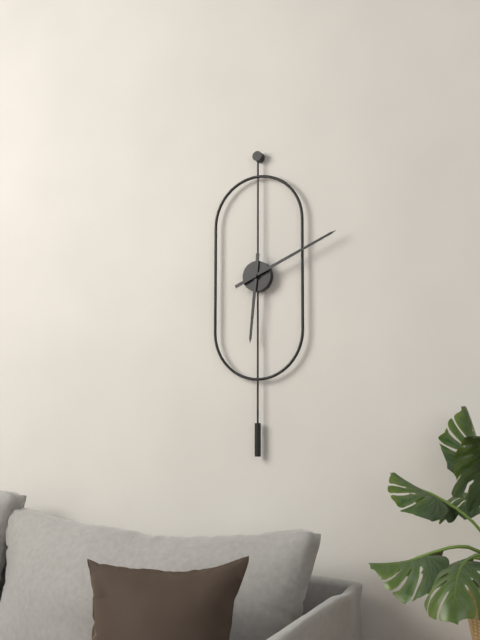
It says 6:11
